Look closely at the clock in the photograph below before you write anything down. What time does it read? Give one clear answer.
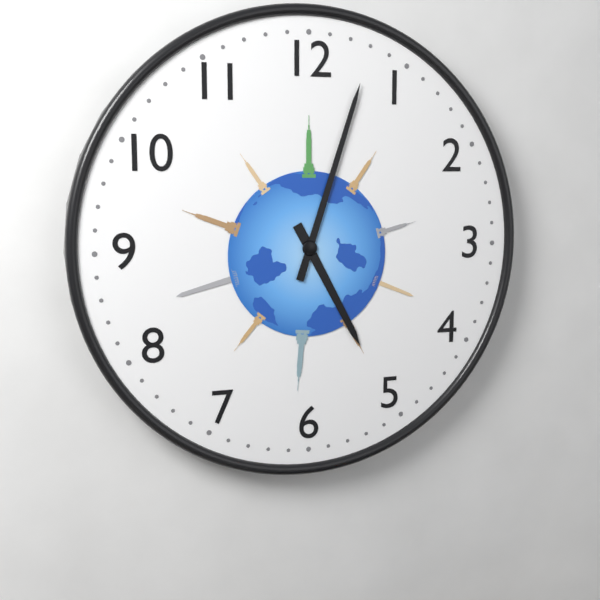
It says 5:03
